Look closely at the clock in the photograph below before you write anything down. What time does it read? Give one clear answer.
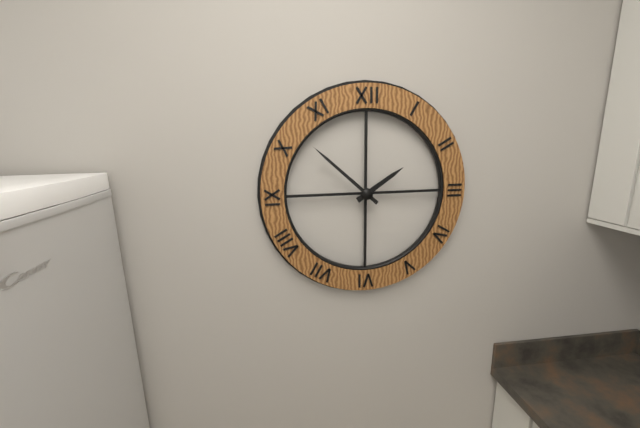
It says 1:52
